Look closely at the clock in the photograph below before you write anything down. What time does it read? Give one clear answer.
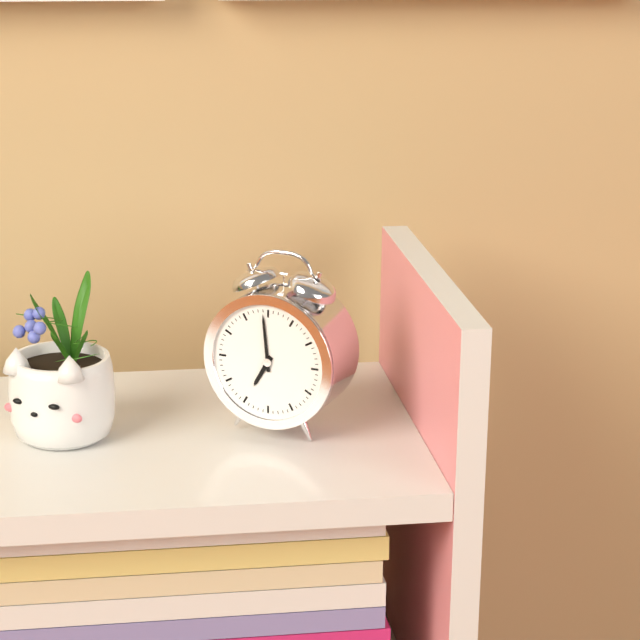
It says 6:59
